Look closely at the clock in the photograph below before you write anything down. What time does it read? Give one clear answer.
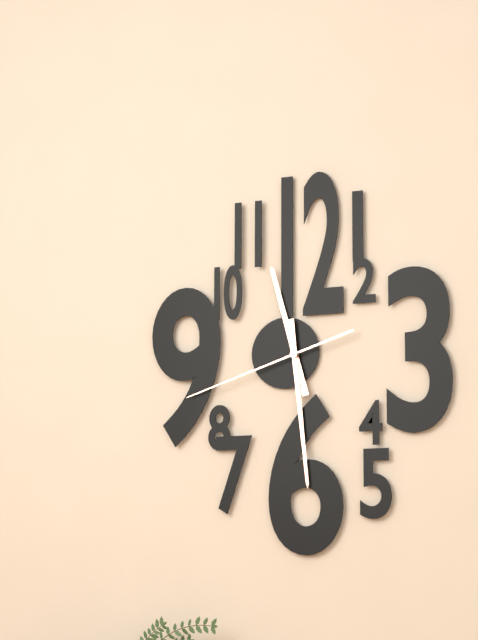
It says 11:29:42
